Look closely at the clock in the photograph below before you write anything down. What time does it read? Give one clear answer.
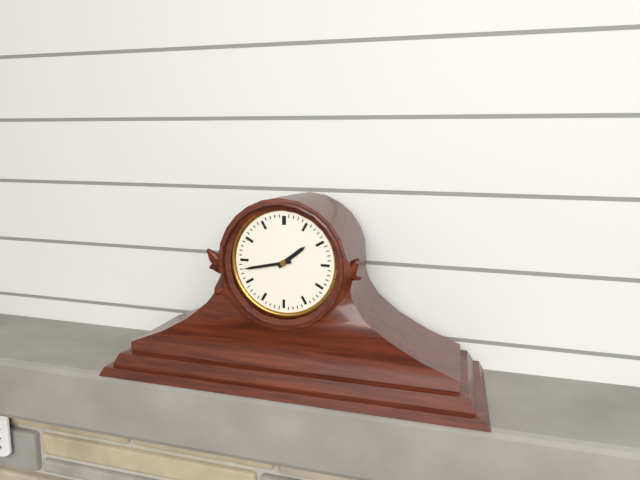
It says 1:43
